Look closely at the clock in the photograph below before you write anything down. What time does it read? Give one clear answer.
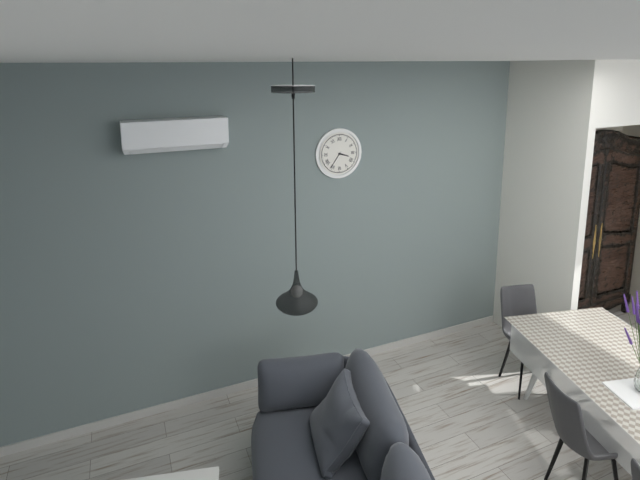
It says 3:36
